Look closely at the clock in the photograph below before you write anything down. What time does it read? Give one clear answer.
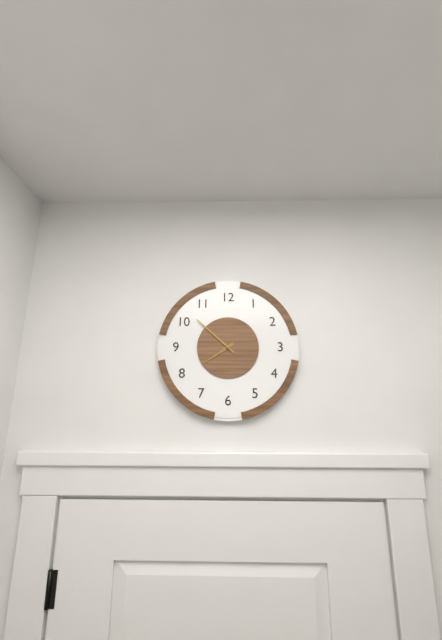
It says 7:52
